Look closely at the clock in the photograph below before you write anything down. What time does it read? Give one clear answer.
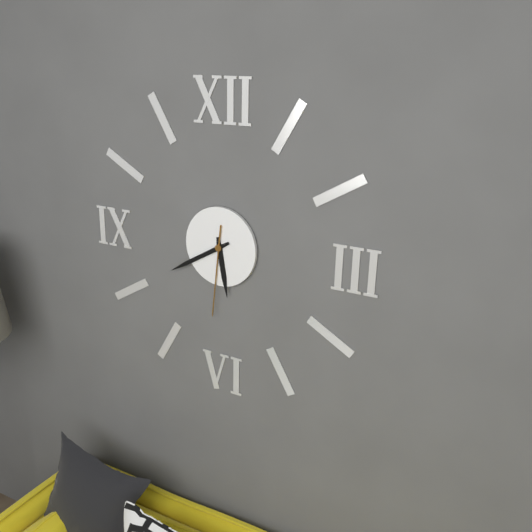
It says 5:40:31
